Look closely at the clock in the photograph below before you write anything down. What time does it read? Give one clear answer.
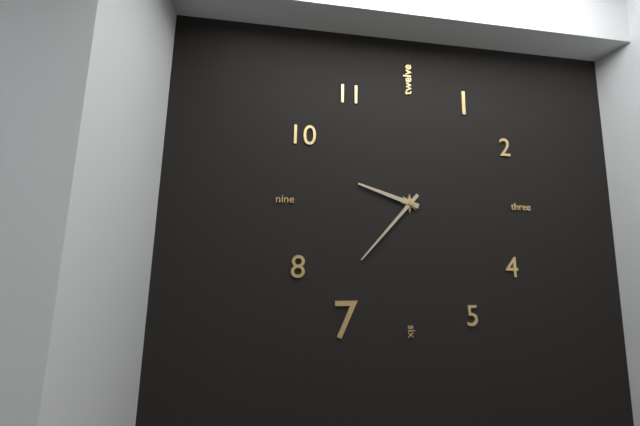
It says 9:37
